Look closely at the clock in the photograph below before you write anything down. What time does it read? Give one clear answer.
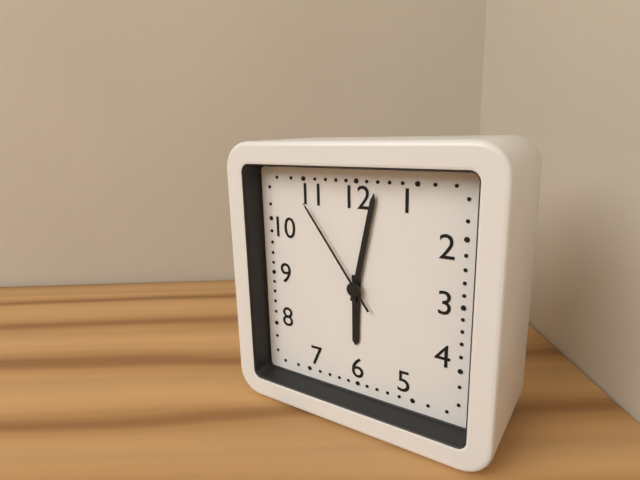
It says 6:02:54
